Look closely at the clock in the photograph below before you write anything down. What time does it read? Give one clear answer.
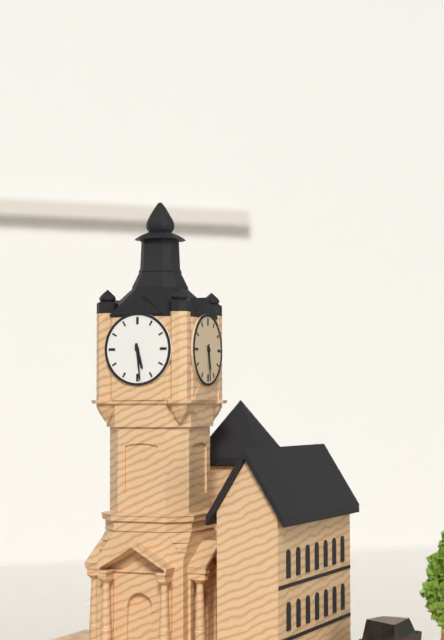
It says 5:29
